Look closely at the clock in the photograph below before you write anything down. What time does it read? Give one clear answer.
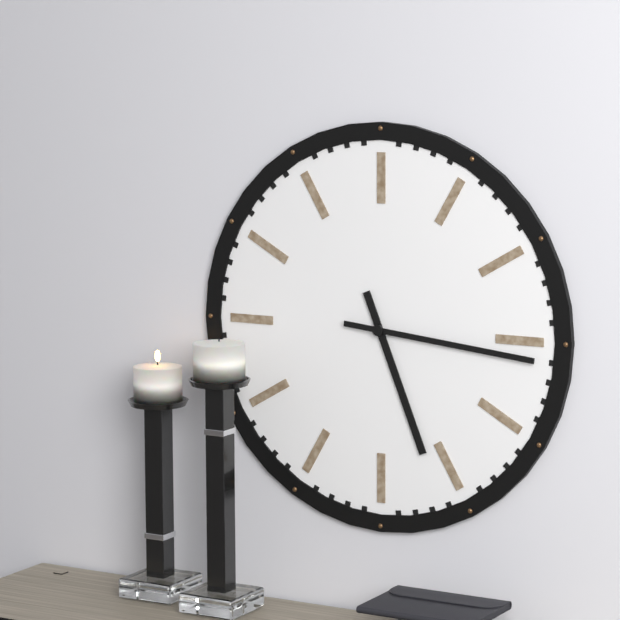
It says 5:16
